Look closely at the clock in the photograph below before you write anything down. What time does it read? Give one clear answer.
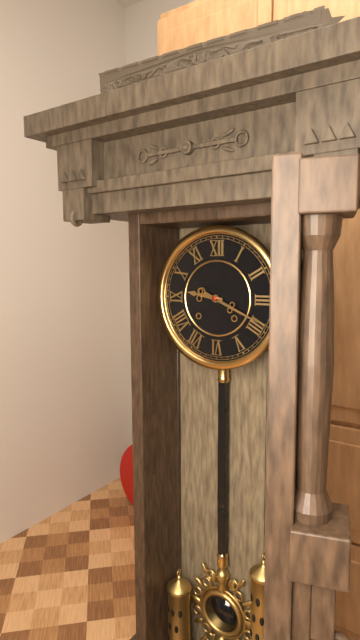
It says 9:19
